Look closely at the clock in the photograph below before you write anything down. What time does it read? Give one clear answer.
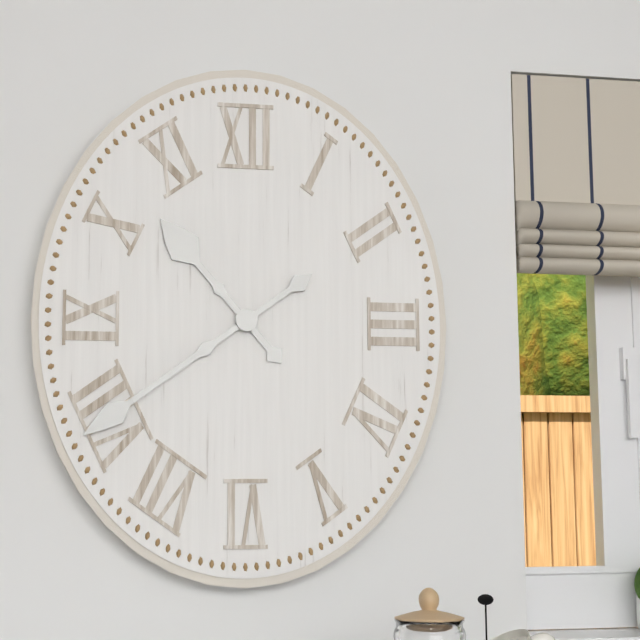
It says 10:39
